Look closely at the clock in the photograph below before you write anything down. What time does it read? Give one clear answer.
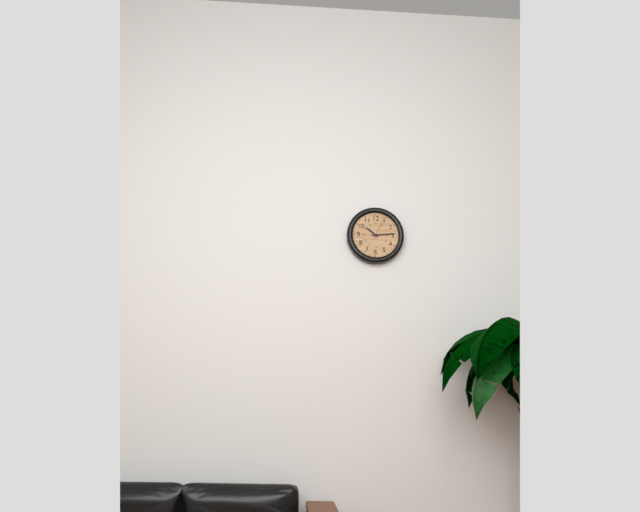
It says 10:14
